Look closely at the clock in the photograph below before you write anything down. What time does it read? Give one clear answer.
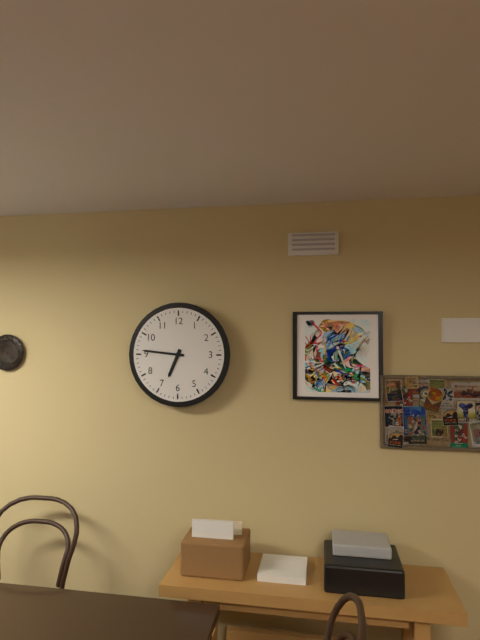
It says 6:46
